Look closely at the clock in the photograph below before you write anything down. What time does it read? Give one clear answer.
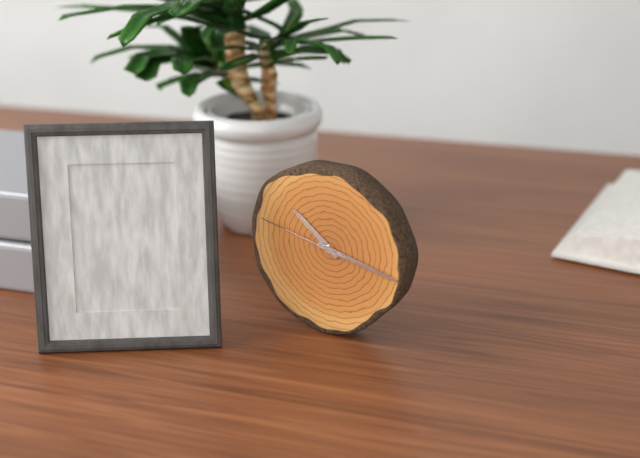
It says 10:17:47
